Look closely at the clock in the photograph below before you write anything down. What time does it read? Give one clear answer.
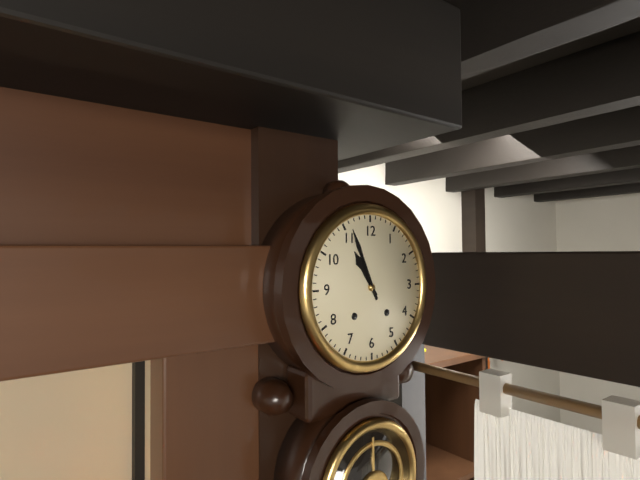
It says 10:56
